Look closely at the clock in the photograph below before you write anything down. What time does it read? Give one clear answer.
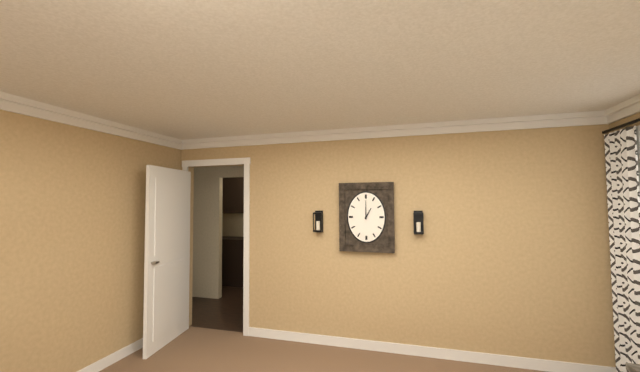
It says 1:00
